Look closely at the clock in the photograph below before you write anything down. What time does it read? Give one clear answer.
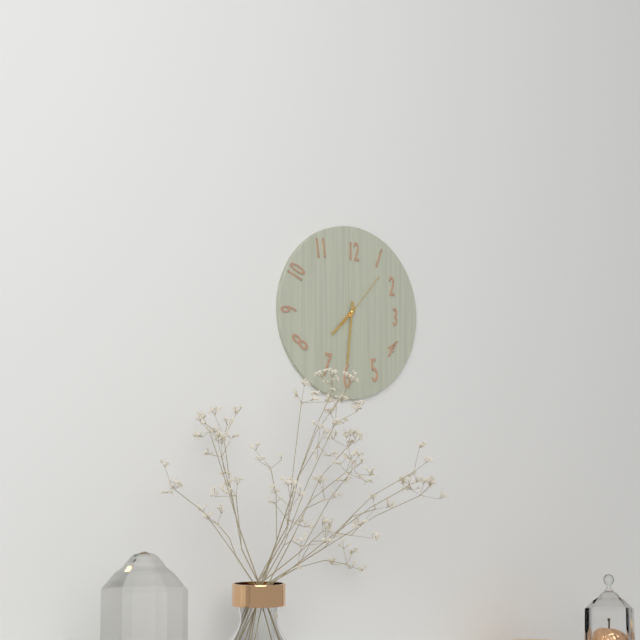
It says 7:31:07
